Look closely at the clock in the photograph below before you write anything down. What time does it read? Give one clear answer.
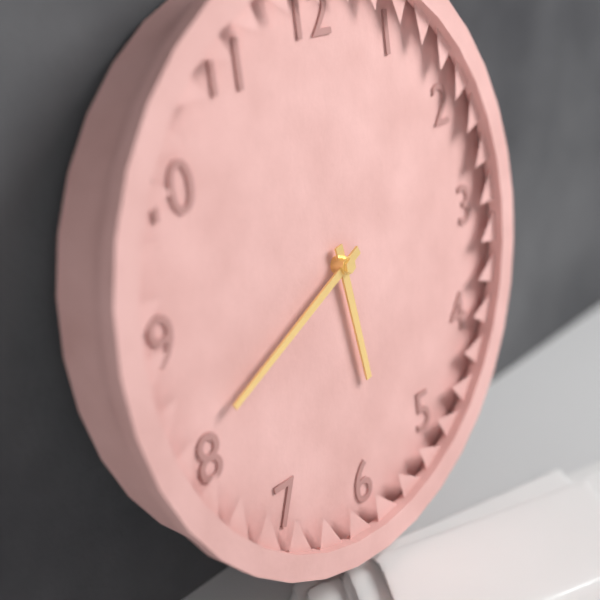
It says 5:41
